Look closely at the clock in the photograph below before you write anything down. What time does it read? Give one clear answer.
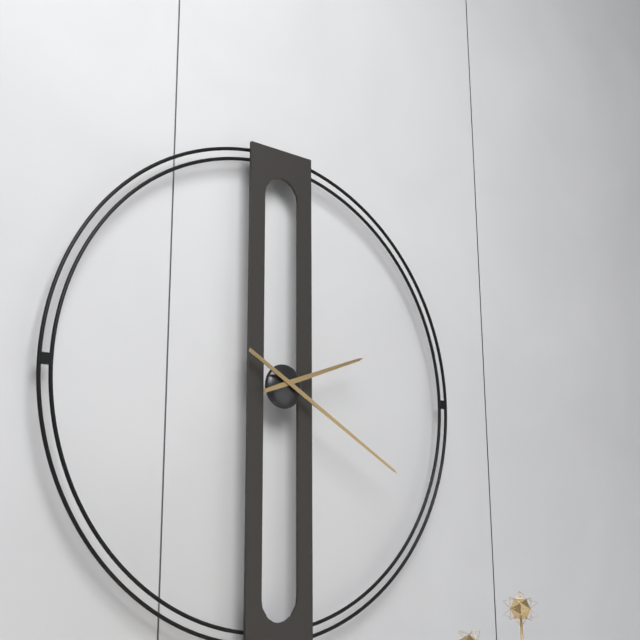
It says 2:20
